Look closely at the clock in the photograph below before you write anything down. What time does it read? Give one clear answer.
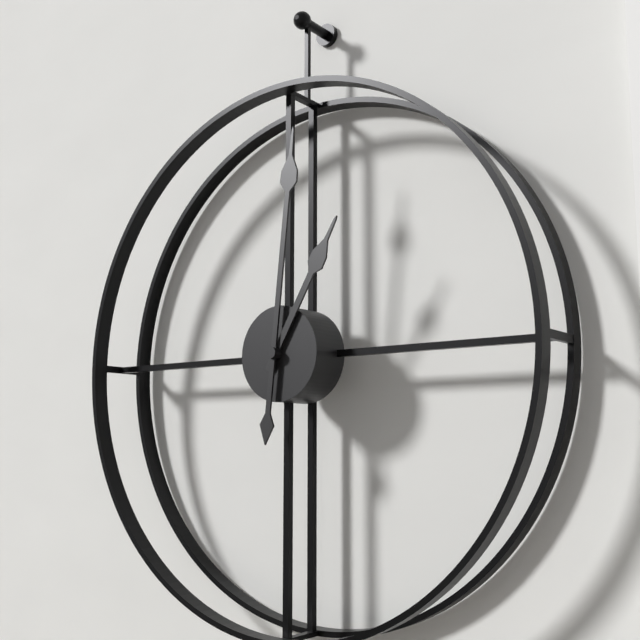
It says 1:01
